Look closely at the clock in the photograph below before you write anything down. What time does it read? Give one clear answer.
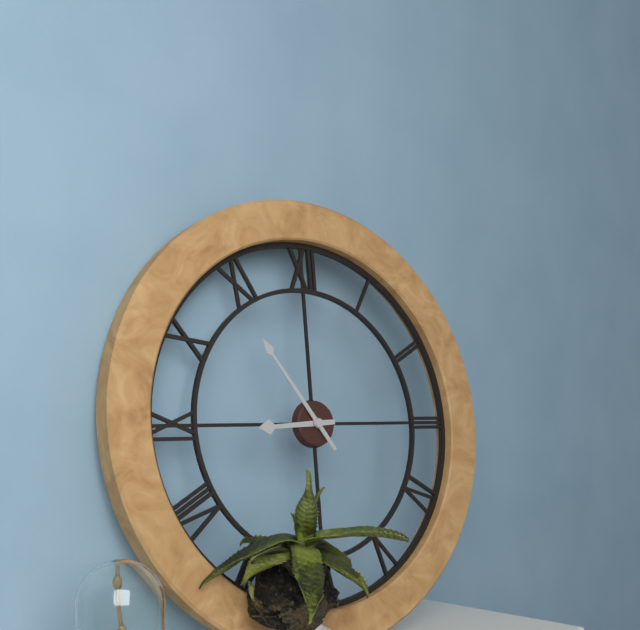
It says 8:54
